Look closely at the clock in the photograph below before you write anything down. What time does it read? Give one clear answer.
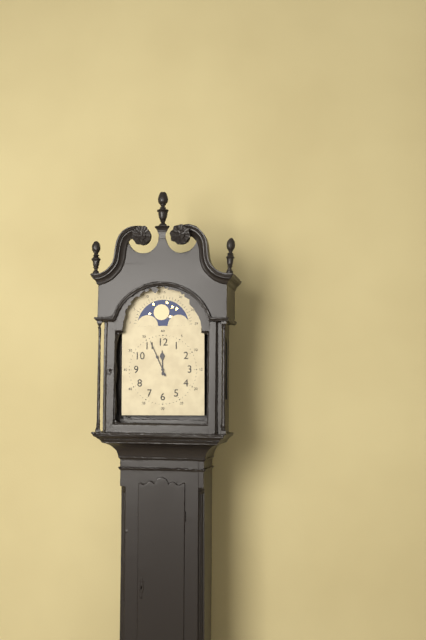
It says 11:56
